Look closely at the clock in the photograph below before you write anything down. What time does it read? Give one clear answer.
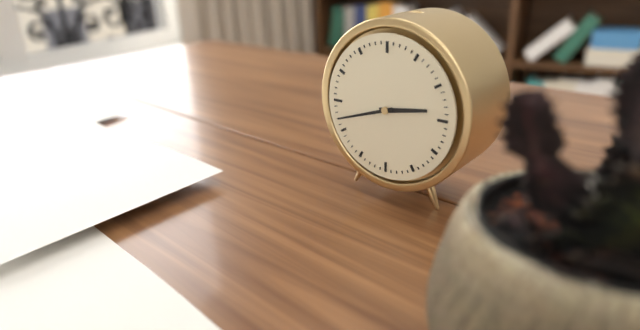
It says 2:42
